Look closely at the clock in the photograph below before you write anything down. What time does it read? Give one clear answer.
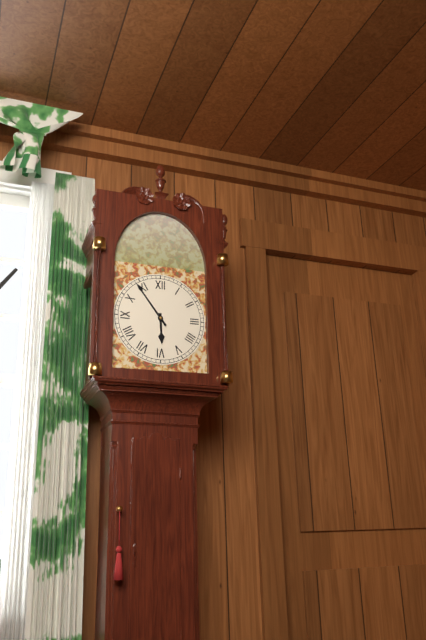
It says 5:54
